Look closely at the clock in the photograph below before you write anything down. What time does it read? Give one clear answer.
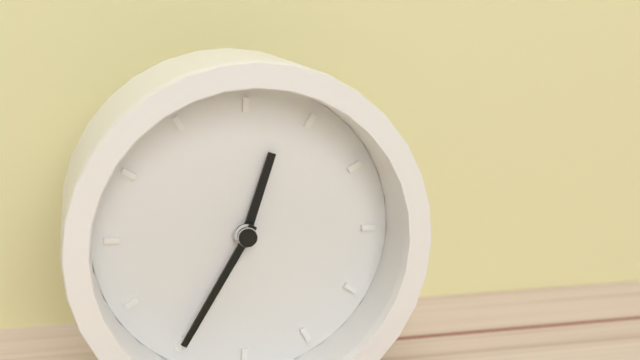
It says 12:35
